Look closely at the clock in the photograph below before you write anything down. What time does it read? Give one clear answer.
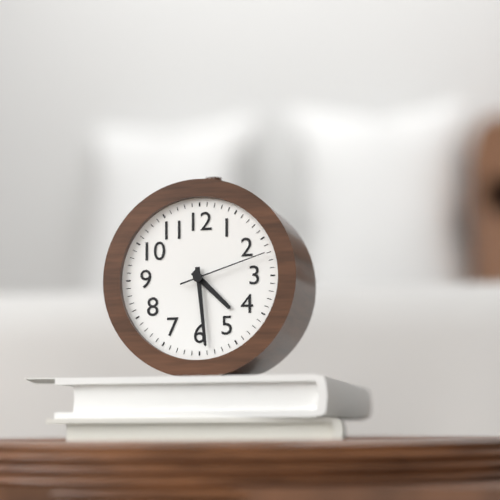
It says 4:29:12
